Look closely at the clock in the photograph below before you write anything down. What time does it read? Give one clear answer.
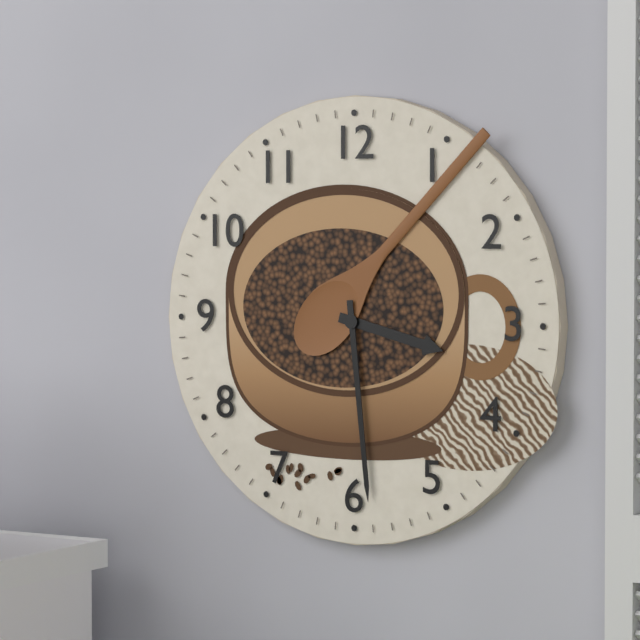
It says 3:29
